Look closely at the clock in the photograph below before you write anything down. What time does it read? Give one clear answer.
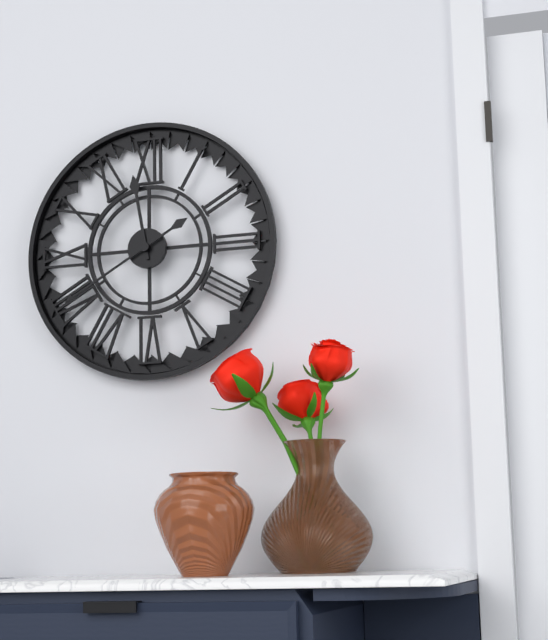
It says 11:40
